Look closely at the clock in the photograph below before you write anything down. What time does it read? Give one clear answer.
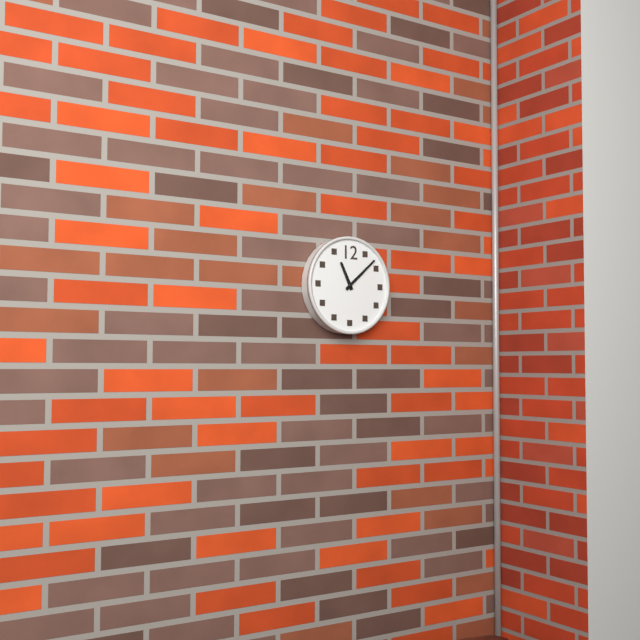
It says 11:08
